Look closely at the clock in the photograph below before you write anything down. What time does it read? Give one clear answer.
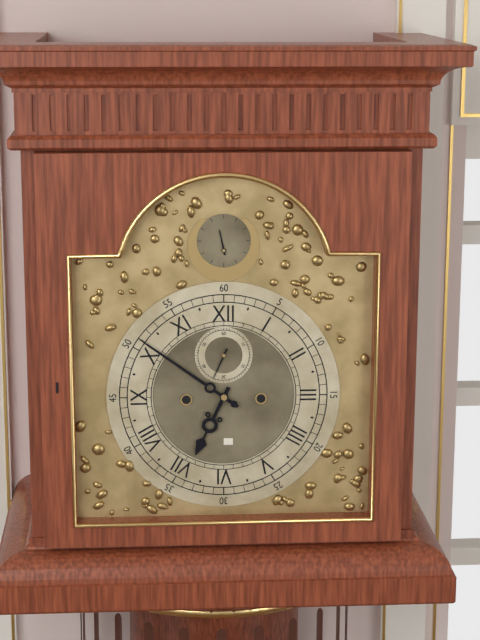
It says 6:51
